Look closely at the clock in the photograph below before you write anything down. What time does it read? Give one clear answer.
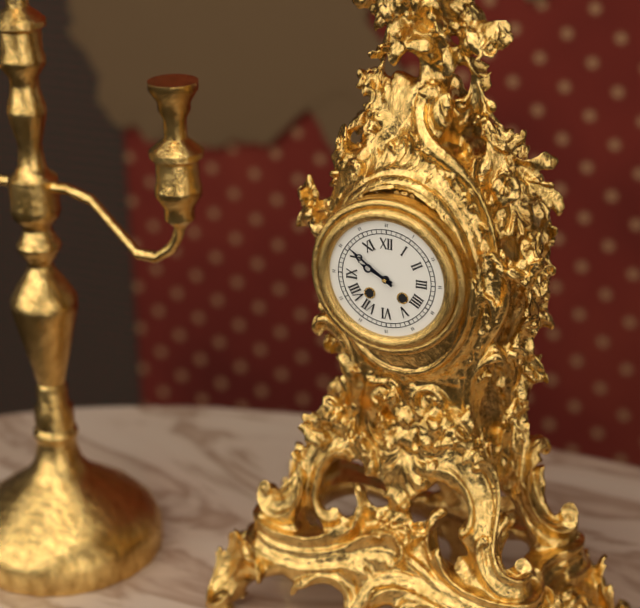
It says 9:51
